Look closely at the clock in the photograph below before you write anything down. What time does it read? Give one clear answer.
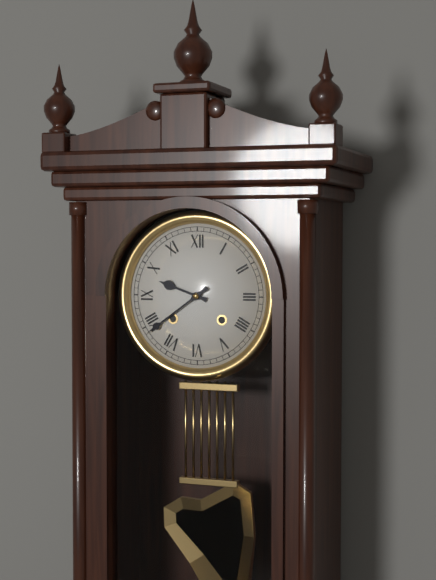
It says 9:39
